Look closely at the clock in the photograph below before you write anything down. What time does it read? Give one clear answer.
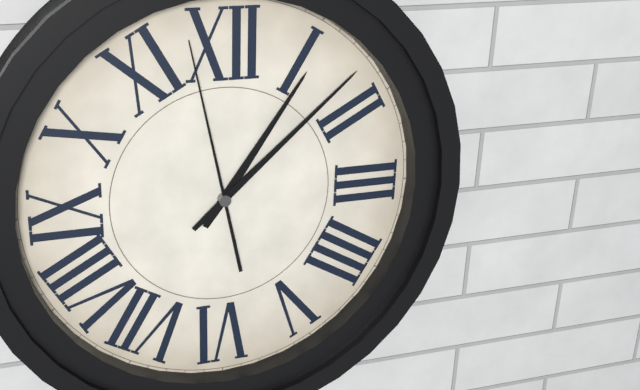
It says 1:08:58
